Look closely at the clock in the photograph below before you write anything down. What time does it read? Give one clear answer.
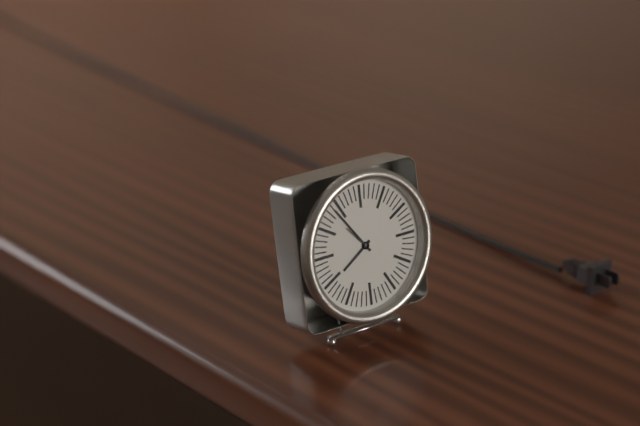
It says 7:54
